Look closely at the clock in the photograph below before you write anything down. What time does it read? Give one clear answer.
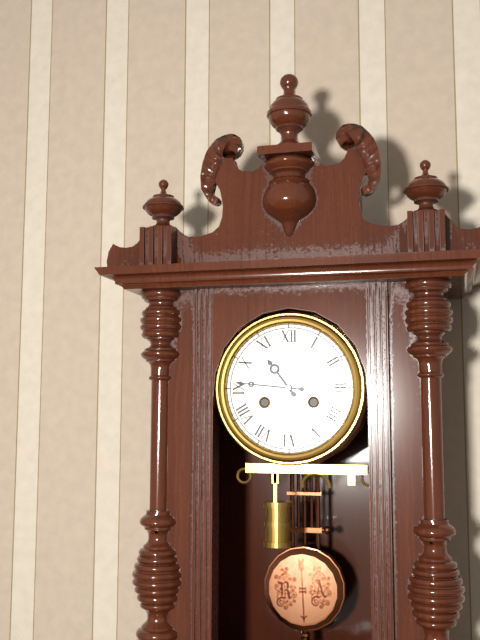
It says 10:46
